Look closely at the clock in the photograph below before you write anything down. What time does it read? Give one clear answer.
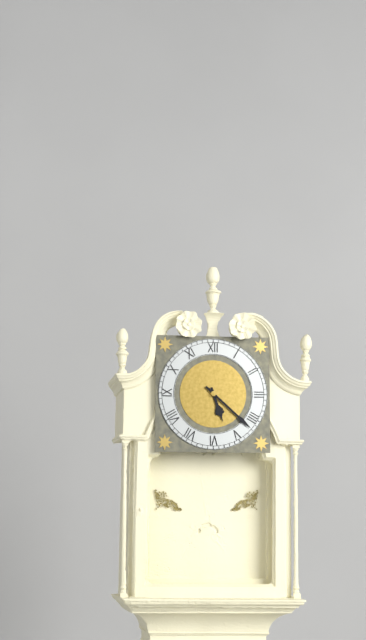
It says 5:22
